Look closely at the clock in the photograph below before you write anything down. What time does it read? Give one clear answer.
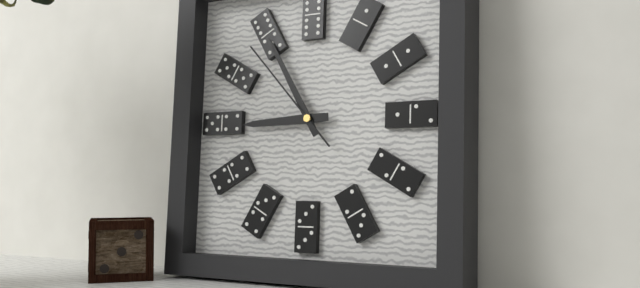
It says 8:55:53
